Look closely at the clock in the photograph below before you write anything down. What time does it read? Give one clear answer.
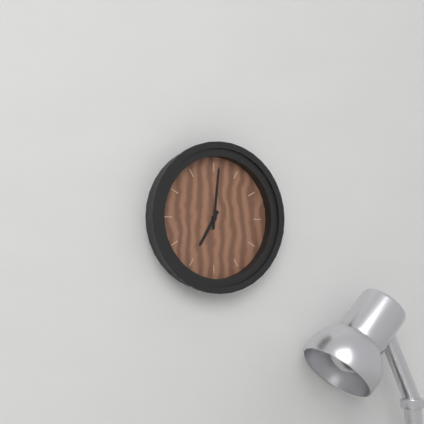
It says 7:01
